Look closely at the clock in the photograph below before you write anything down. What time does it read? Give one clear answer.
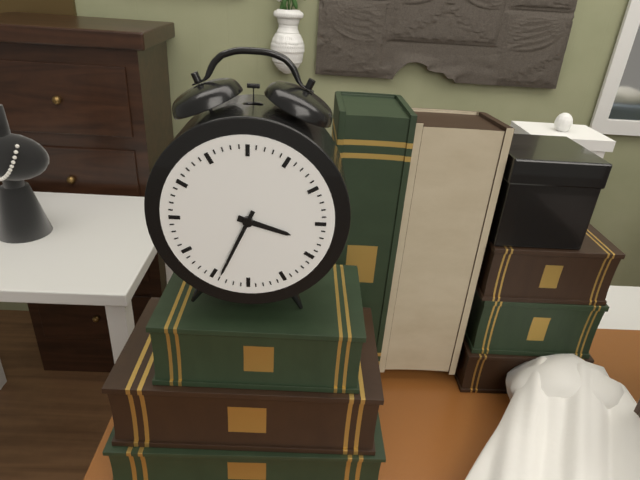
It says 3:34
